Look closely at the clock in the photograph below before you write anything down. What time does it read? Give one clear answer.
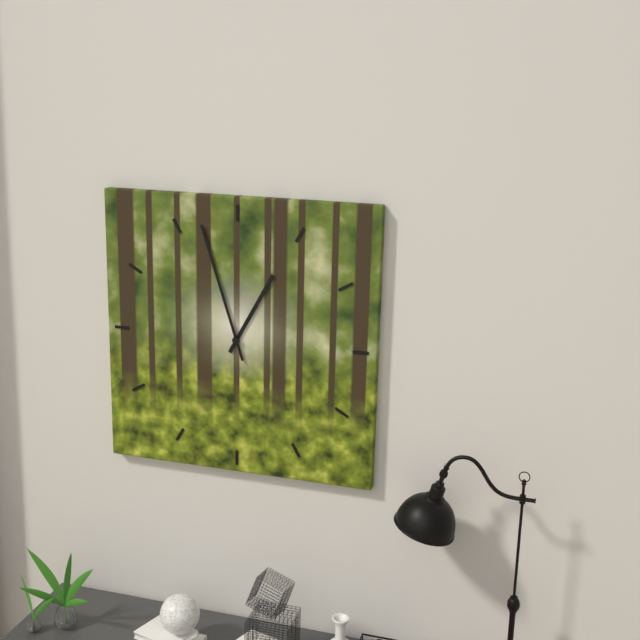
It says 12:57
